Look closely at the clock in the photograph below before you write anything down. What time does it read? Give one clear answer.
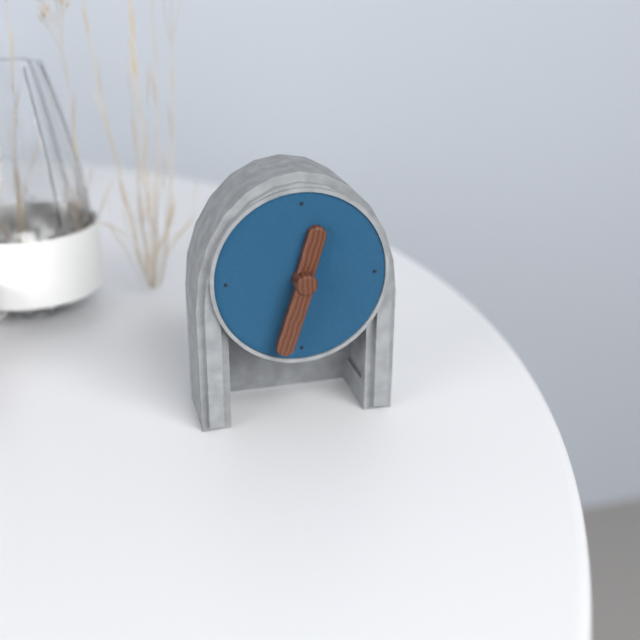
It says 12:33
